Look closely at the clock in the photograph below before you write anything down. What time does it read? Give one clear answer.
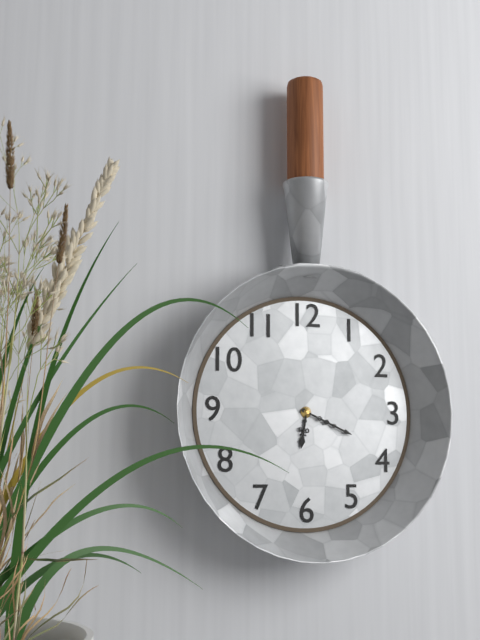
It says 6:19
